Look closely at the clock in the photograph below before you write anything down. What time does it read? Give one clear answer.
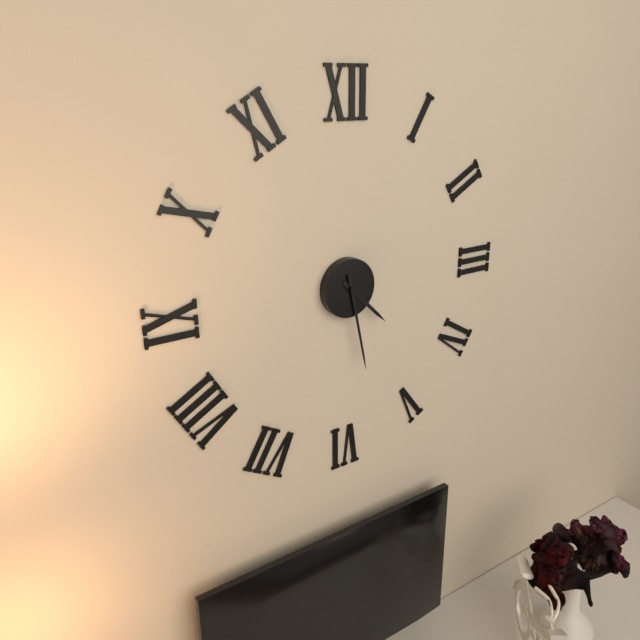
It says 4:28
